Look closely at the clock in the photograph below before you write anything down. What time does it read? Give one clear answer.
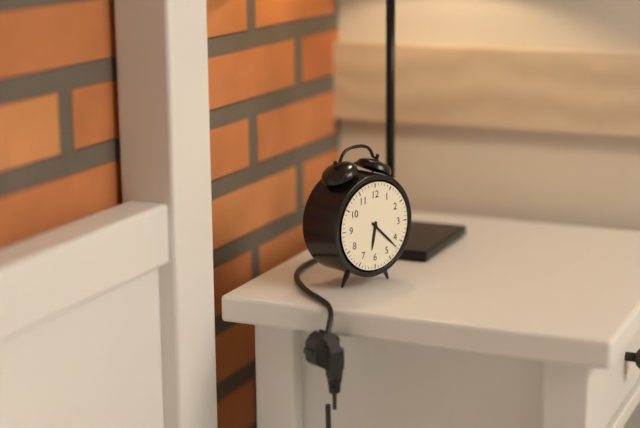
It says 6:22
